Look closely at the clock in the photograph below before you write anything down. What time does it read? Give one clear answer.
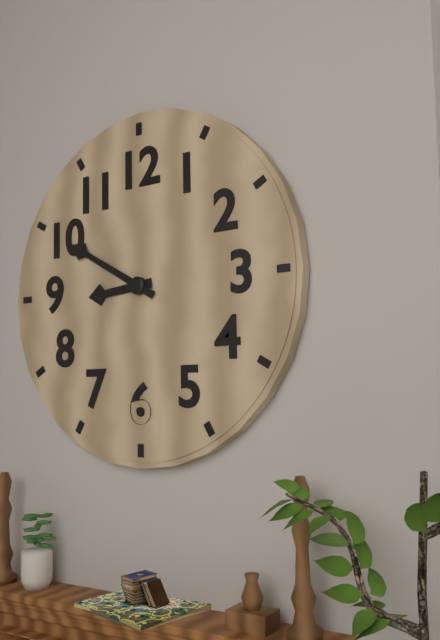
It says 8:50
